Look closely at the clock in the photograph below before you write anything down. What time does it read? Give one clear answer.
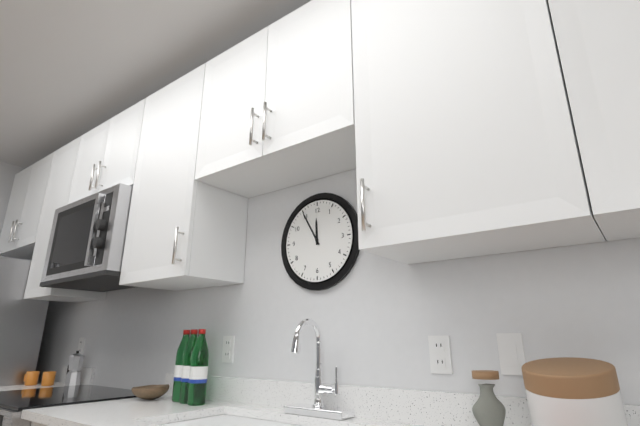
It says 11:55
